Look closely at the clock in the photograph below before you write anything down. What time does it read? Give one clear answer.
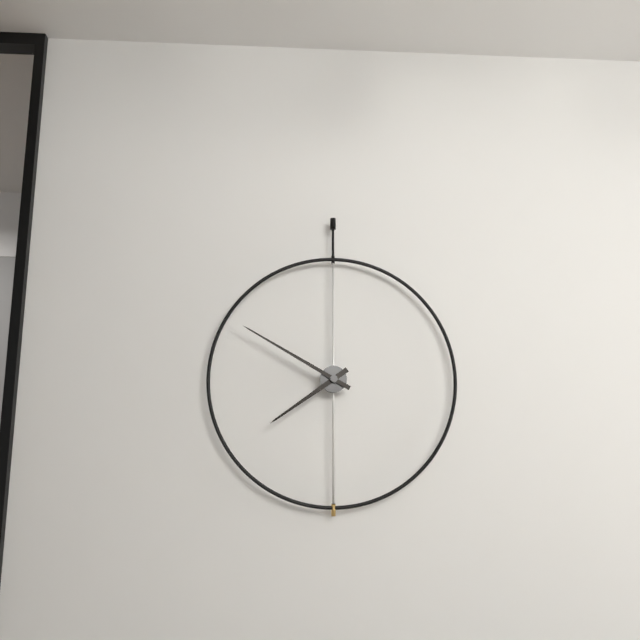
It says 7:50
